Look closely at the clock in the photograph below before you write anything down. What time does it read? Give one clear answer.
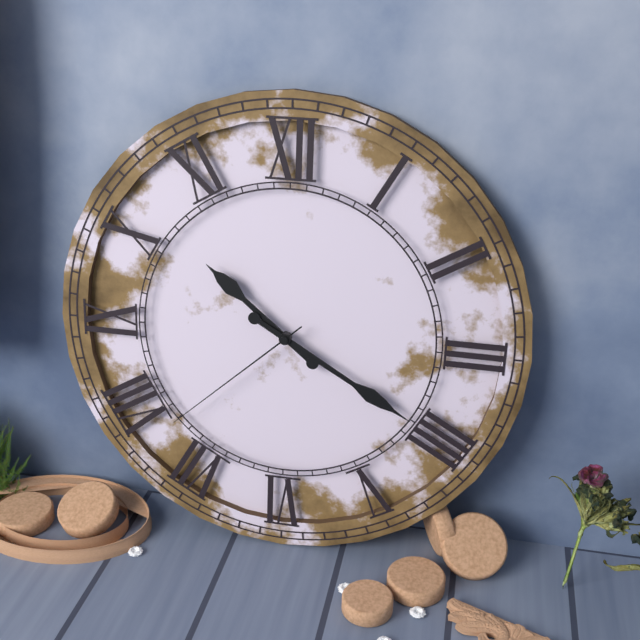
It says 10:20:38
